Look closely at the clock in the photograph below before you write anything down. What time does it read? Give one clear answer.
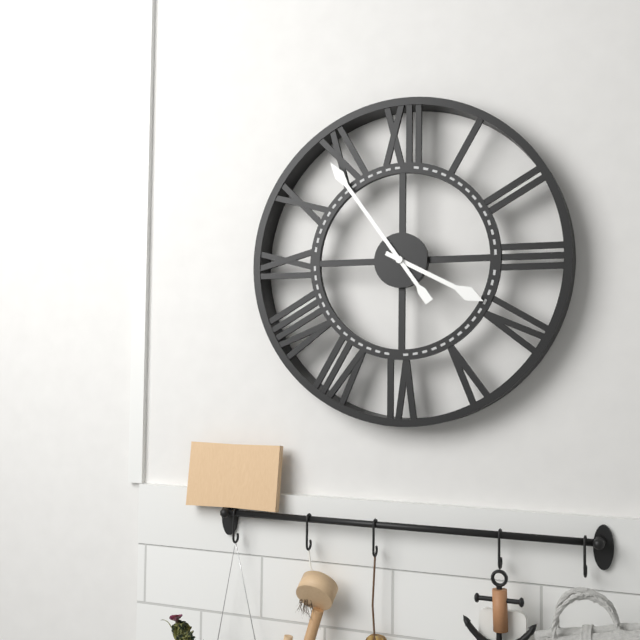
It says 3:54
